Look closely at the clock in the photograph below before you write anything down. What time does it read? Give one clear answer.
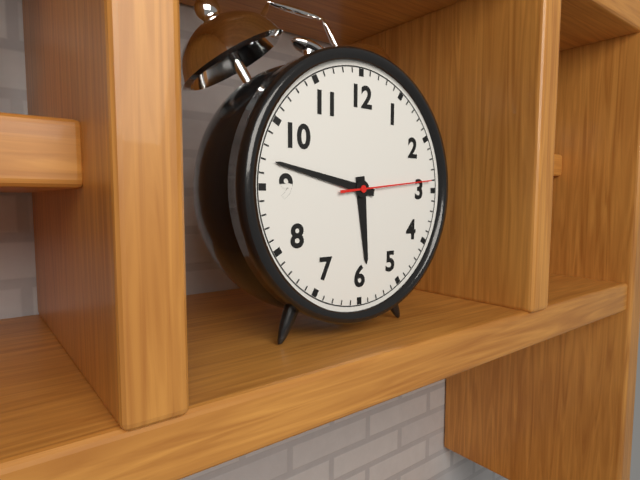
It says 5:47:14
